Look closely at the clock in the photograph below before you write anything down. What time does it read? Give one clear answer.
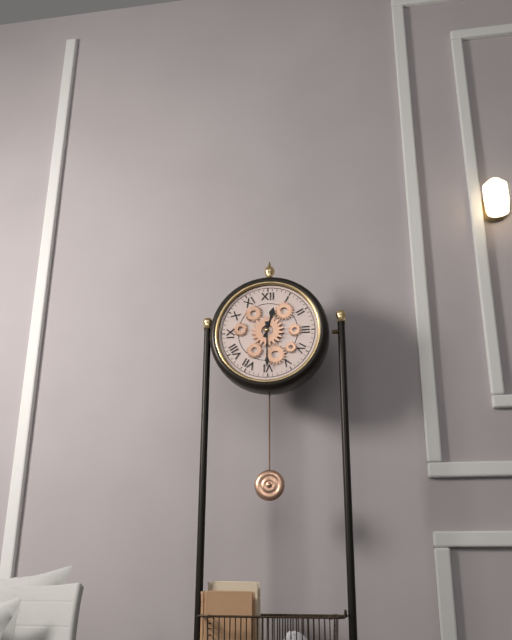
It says 12:30
